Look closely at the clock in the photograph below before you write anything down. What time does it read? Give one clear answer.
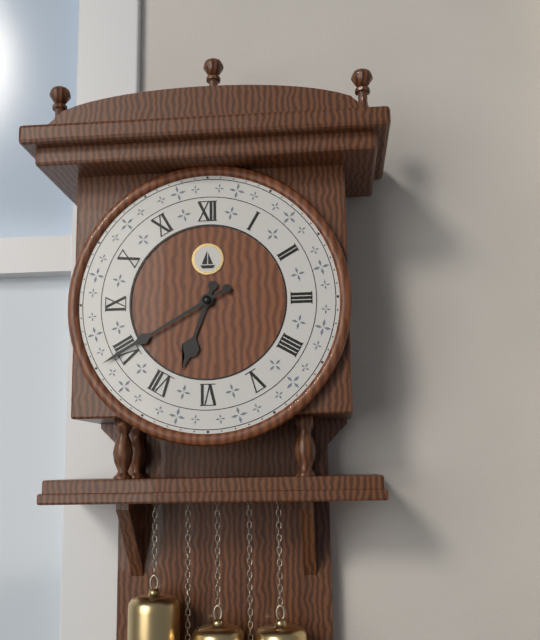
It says 6:40
